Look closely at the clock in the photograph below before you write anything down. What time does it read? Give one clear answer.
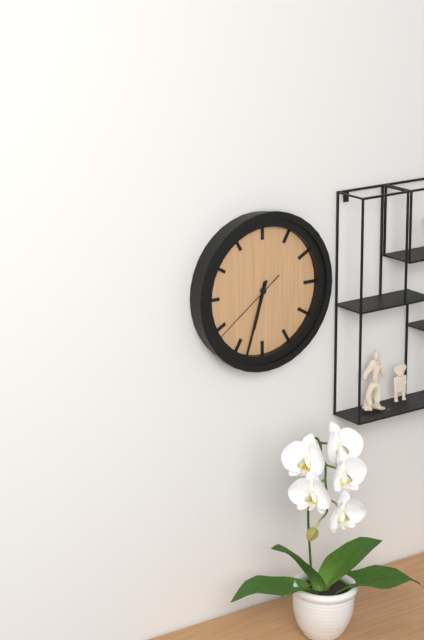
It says 6:33:39
